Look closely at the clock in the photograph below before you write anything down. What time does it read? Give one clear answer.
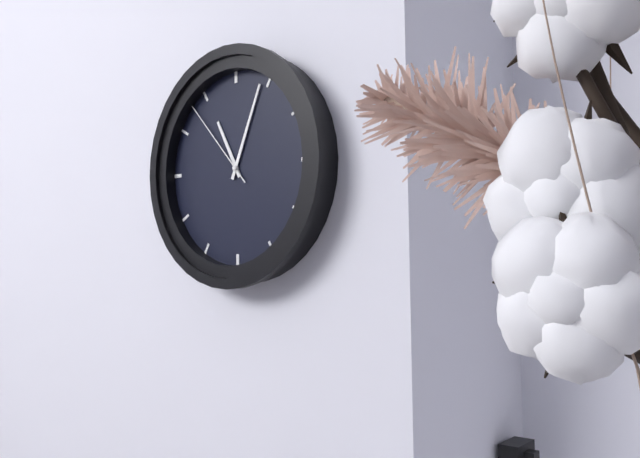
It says 11:04:53
